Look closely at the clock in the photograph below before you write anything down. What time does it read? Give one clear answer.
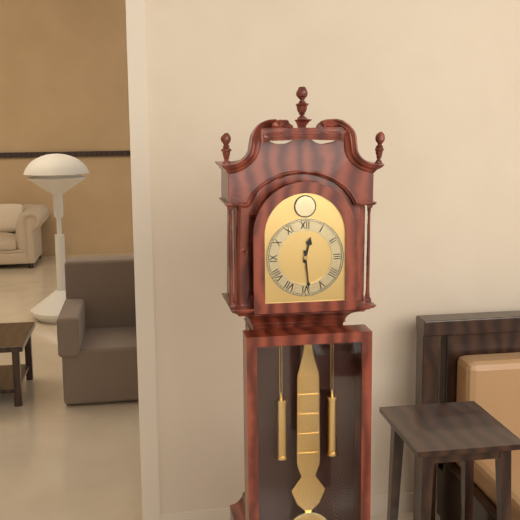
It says 12:29
